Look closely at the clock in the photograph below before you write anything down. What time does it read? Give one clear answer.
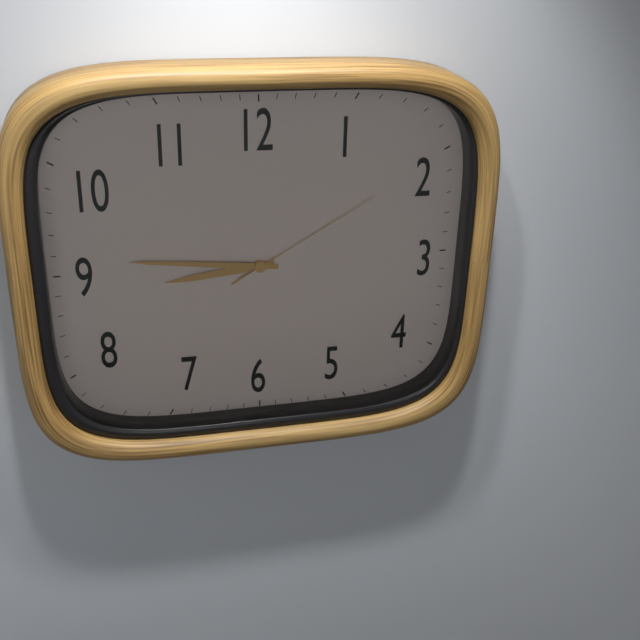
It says 8:46:10
